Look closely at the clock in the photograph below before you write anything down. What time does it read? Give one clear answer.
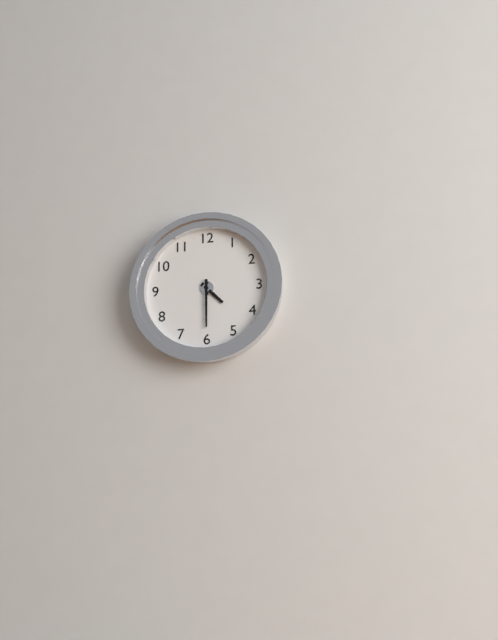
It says 4:30
